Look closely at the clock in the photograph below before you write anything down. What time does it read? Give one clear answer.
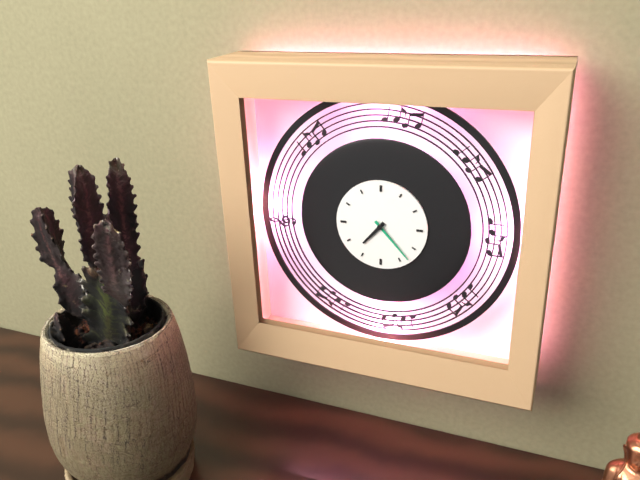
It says 7:23
